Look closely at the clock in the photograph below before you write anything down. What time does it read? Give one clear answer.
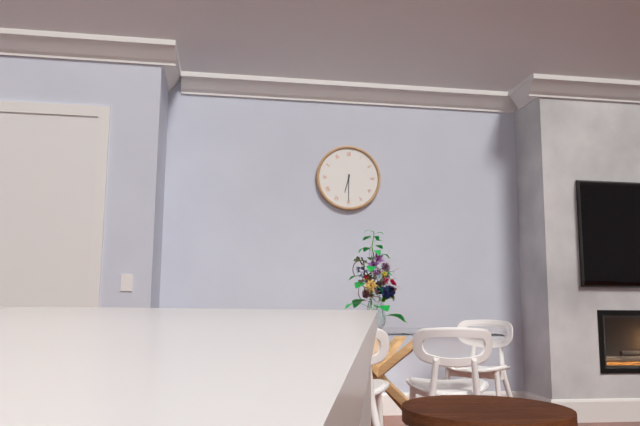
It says 6:30
